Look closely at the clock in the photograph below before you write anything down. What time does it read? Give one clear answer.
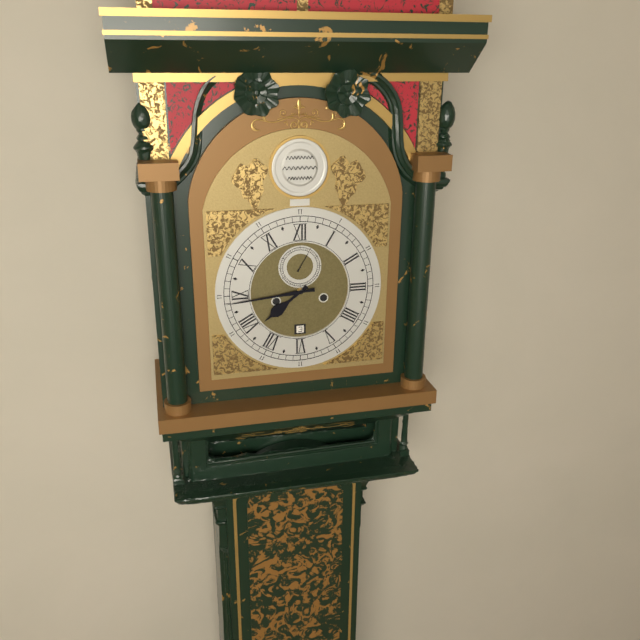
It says 7:44
